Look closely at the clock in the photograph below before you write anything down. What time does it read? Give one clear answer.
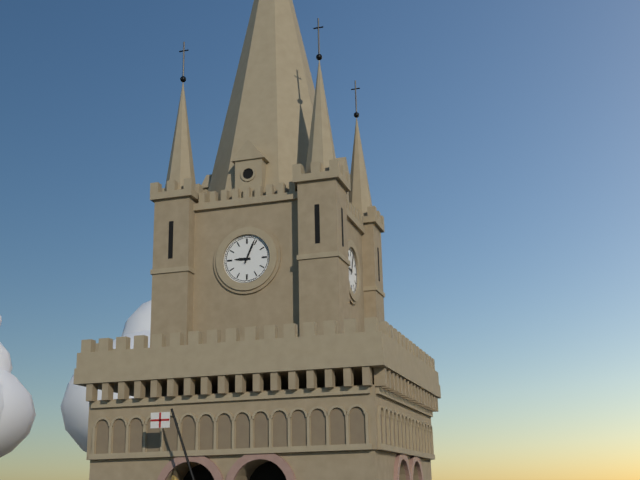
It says 9:04
